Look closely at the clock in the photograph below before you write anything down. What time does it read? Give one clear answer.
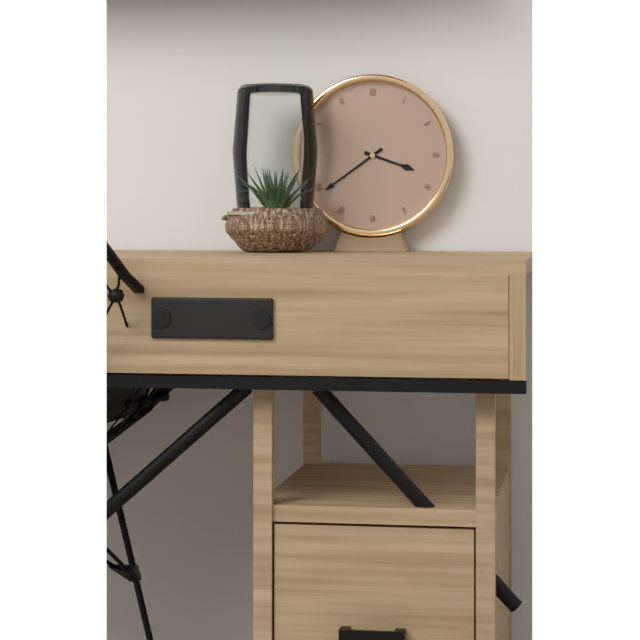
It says 3:39
